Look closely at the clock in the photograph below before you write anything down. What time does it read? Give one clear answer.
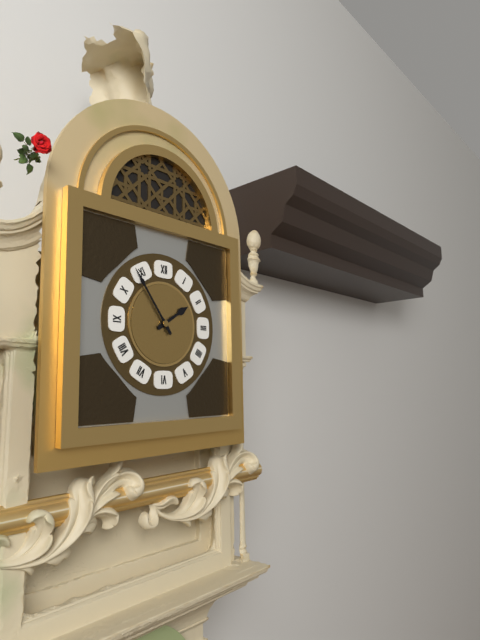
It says 1:54
